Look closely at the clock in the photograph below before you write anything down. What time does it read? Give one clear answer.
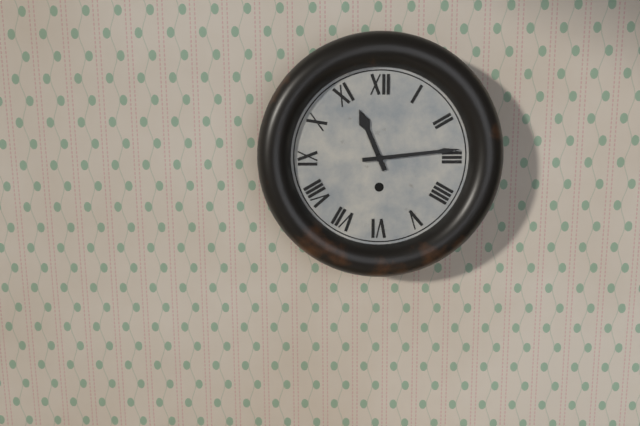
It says 11:14
